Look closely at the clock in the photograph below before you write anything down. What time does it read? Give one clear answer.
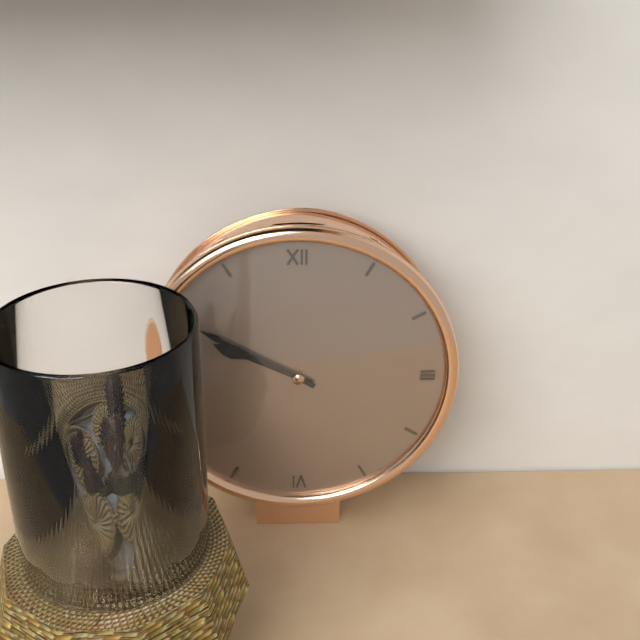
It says 9:50
